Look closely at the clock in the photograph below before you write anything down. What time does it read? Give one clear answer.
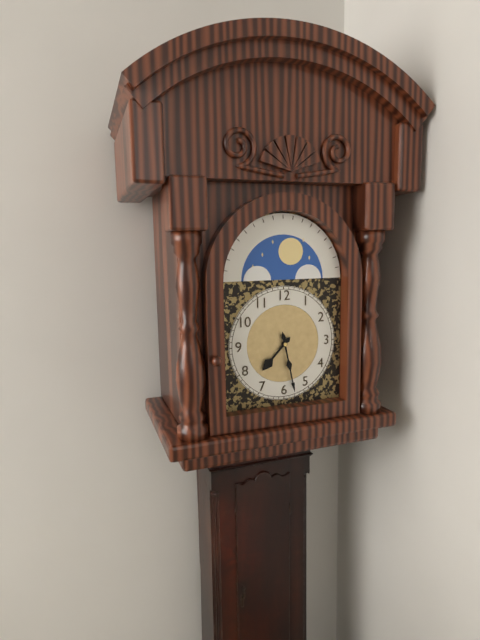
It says 7:28
